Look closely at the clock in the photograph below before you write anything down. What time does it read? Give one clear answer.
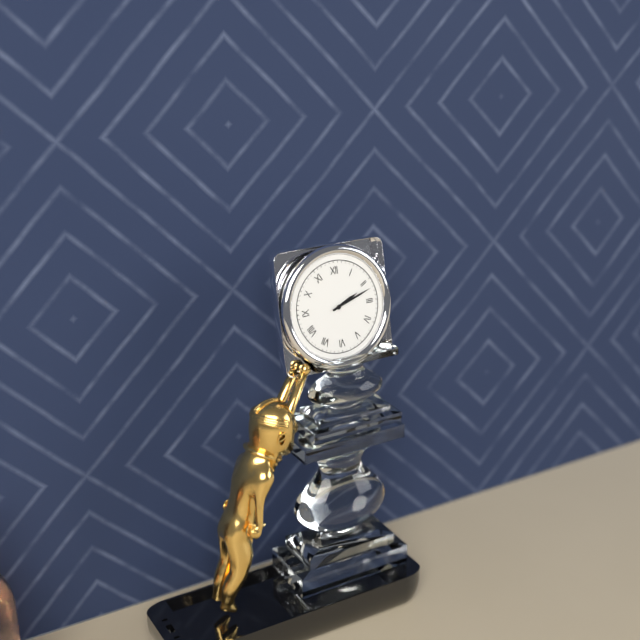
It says 2:12
